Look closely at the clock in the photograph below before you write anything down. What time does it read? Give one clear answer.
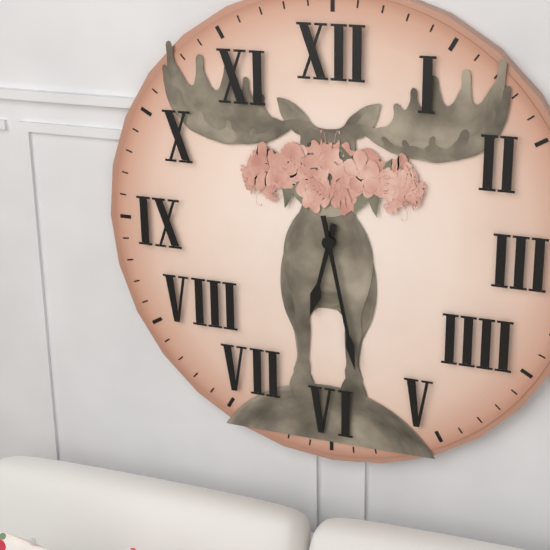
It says 6:28
